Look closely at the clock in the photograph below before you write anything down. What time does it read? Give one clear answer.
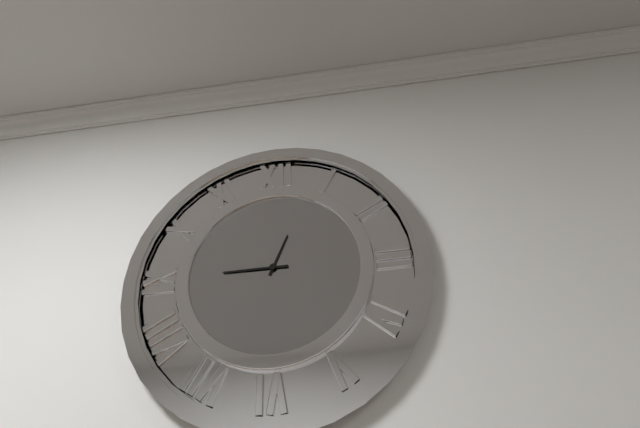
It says 12:45
